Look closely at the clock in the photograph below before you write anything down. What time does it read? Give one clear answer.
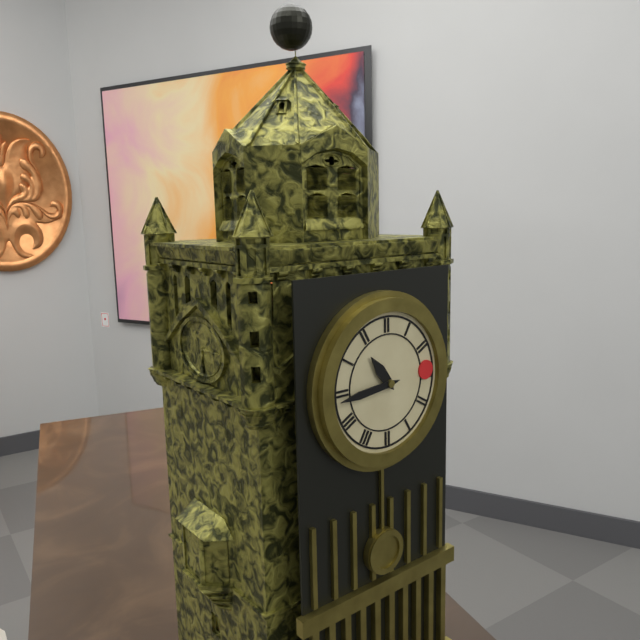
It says 10:44
